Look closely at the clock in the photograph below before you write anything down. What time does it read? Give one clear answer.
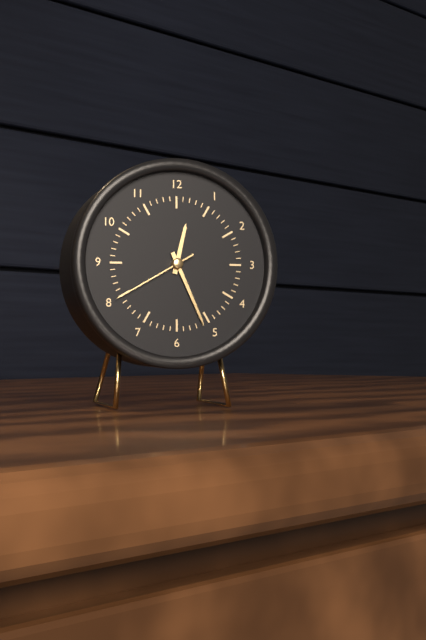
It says 12:26:40
